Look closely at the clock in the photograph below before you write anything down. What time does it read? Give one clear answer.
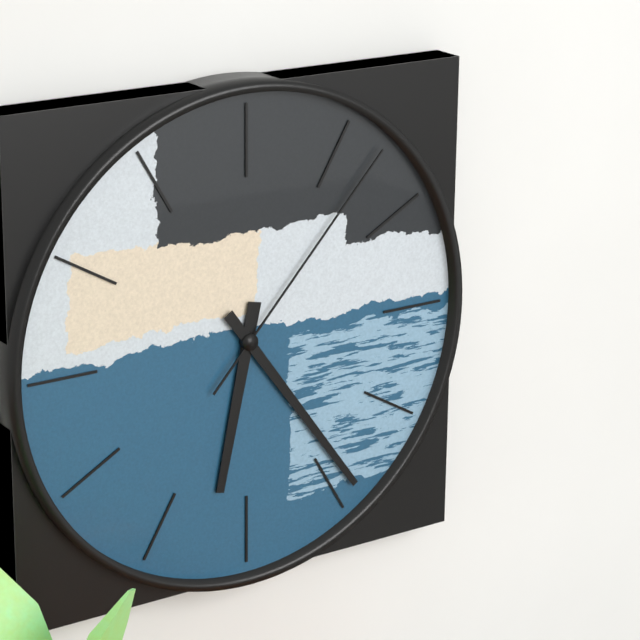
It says 6:24:07
